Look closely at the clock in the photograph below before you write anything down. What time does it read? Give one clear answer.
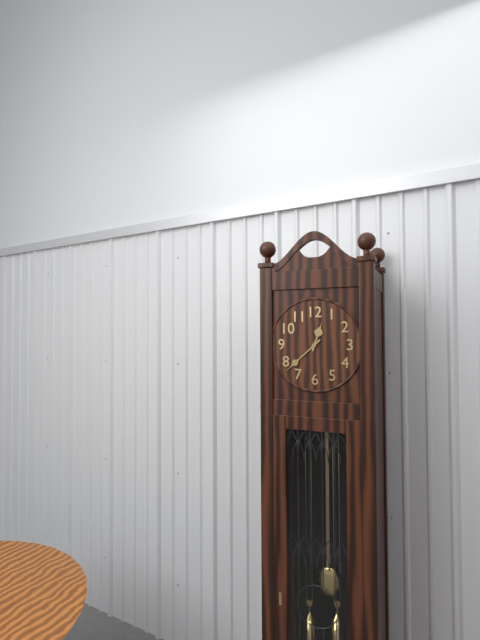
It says 12:38
